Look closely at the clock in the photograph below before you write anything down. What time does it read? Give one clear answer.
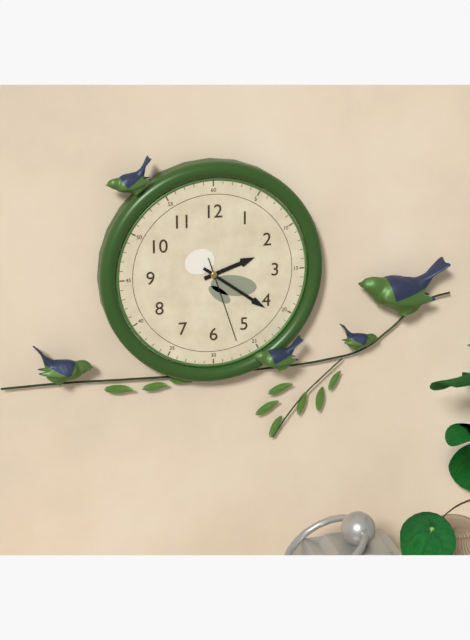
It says 2:21:27
